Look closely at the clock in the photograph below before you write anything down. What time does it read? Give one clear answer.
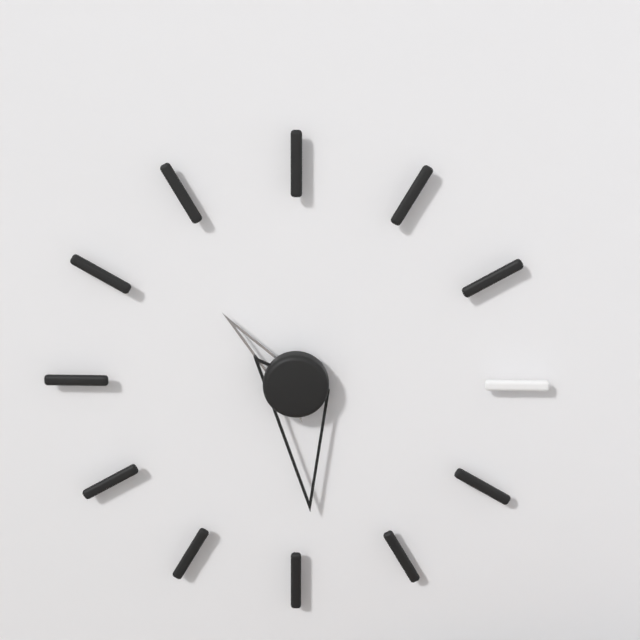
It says 10:29
